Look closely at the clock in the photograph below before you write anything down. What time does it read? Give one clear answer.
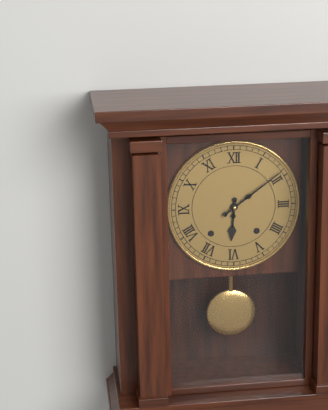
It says 6:09
